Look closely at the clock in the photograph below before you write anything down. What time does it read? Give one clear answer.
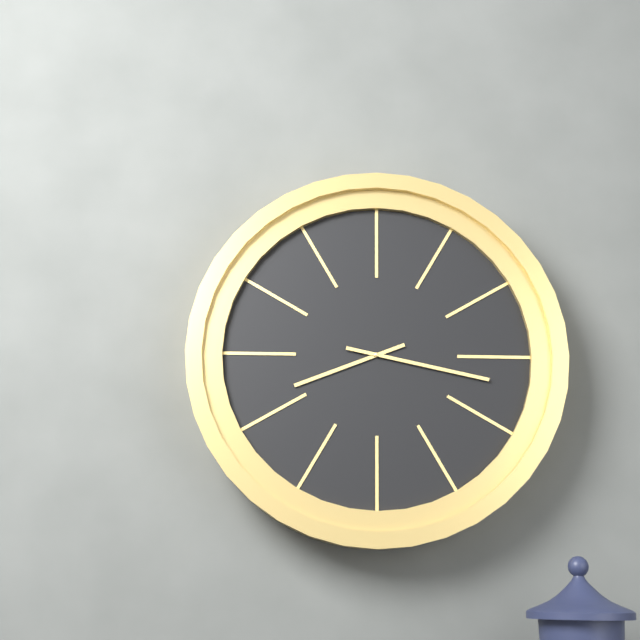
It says 8:17
